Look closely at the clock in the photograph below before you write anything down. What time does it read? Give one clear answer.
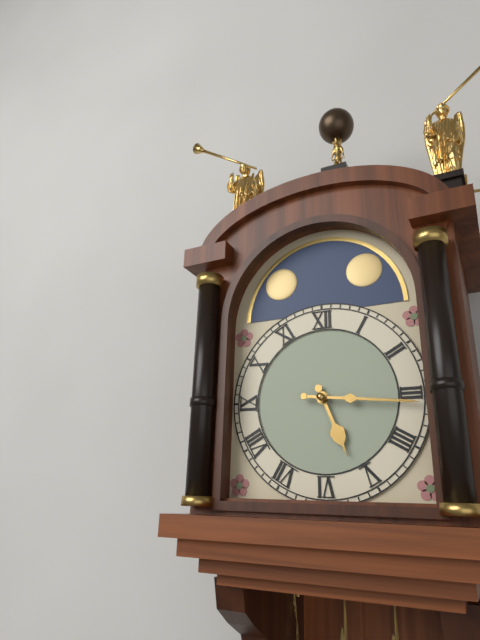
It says 5:16
